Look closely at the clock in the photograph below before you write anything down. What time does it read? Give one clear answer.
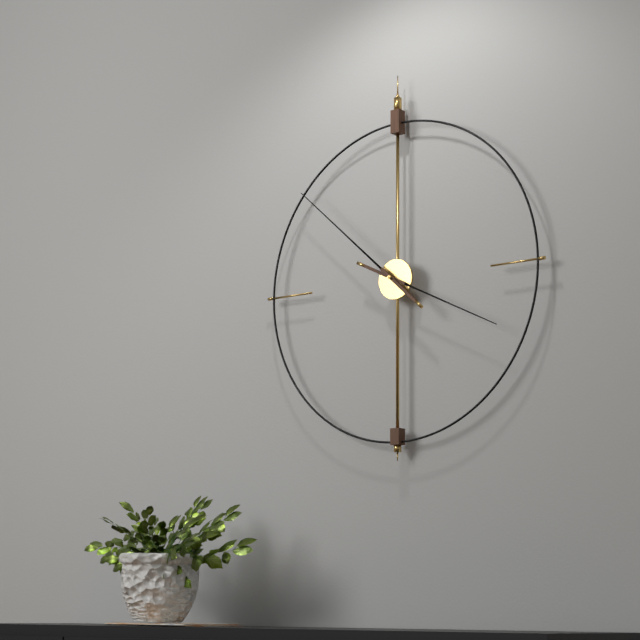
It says 3:52
